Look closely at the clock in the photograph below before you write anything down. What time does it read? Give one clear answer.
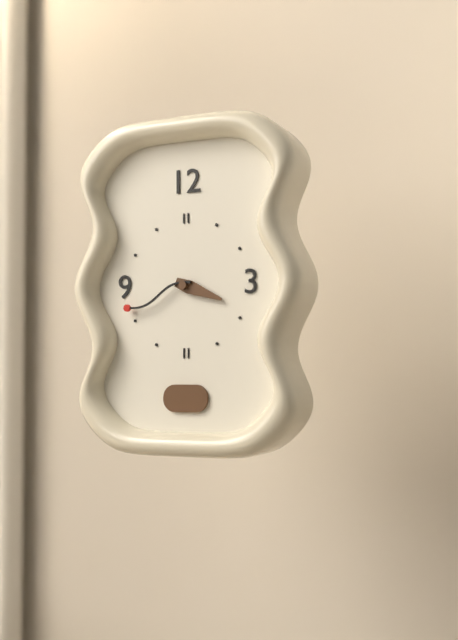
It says 3:42
